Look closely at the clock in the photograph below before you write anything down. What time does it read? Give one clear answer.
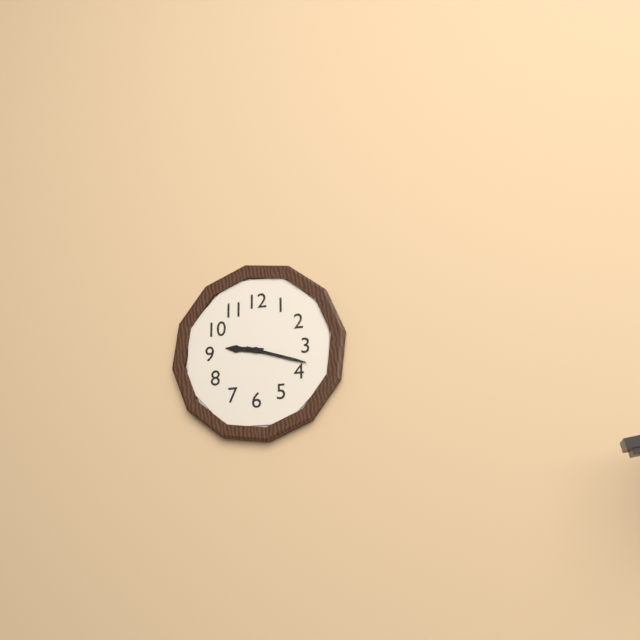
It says 9:18
